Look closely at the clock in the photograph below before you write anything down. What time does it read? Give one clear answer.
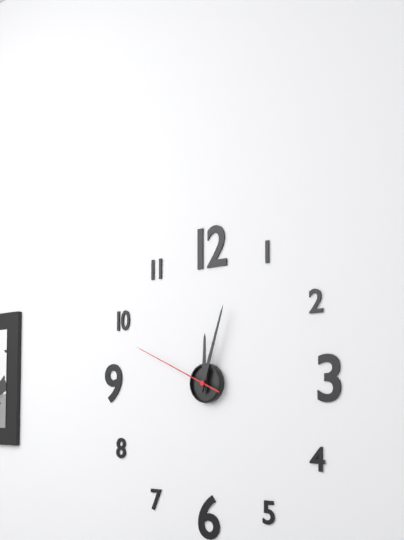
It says 12:03:49
